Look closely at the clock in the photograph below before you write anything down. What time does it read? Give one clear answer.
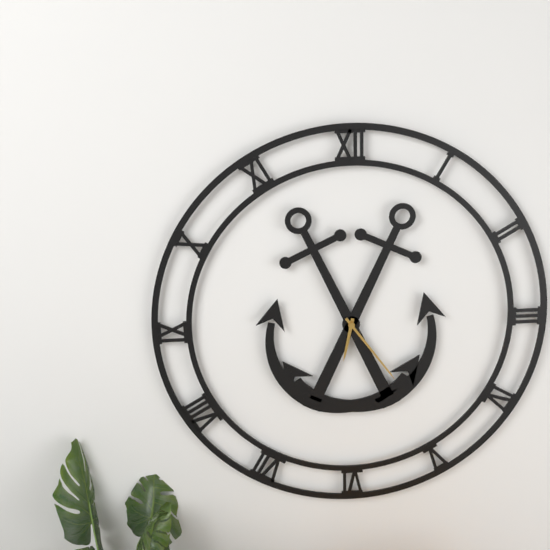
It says 6:24
